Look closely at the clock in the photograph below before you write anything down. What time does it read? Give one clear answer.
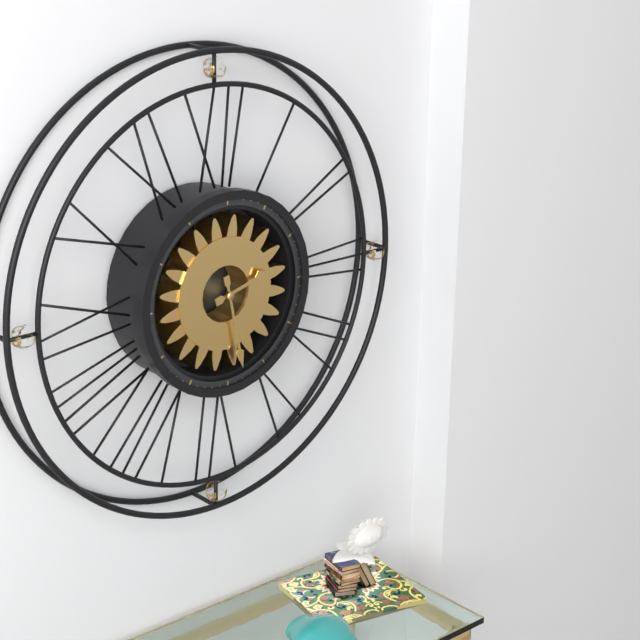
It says 2:28
